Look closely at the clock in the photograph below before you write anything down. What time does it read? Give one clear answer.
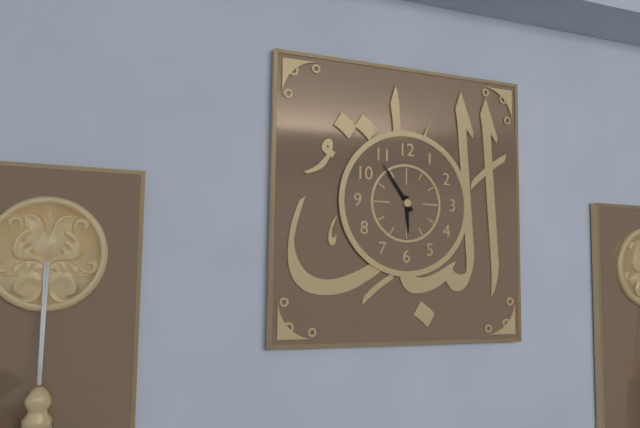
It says 5:54
